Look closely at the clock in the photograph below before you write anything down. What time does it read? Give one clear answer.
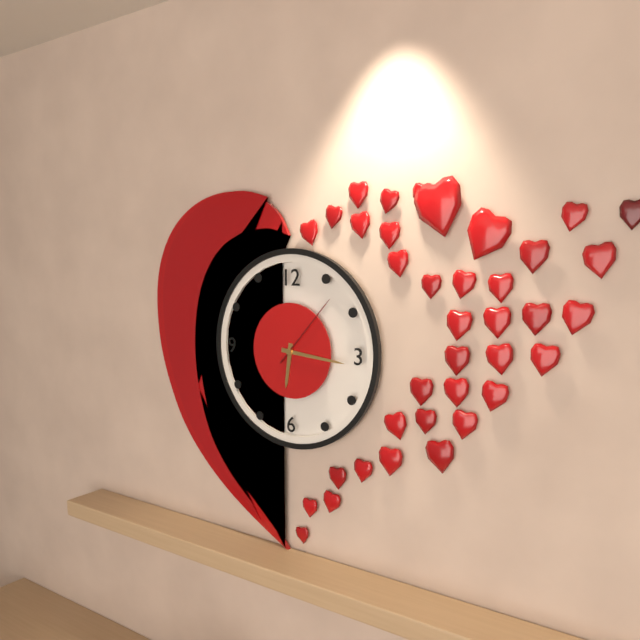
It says 6:16:07
